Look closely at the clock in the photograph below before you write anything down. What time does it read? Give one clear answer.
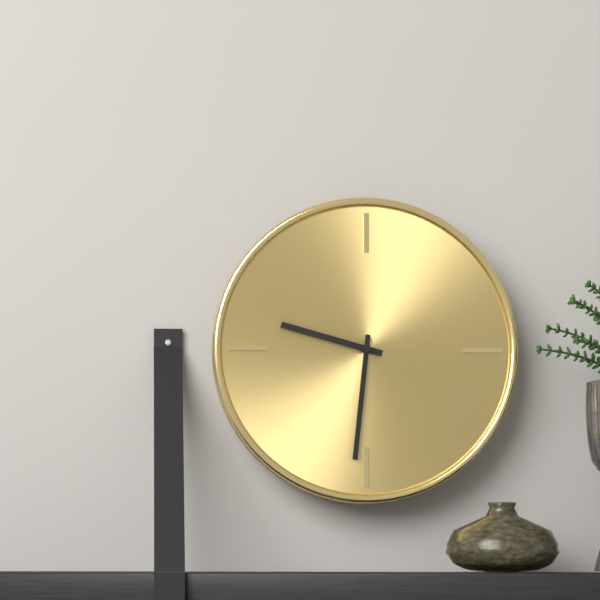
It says 9:31
